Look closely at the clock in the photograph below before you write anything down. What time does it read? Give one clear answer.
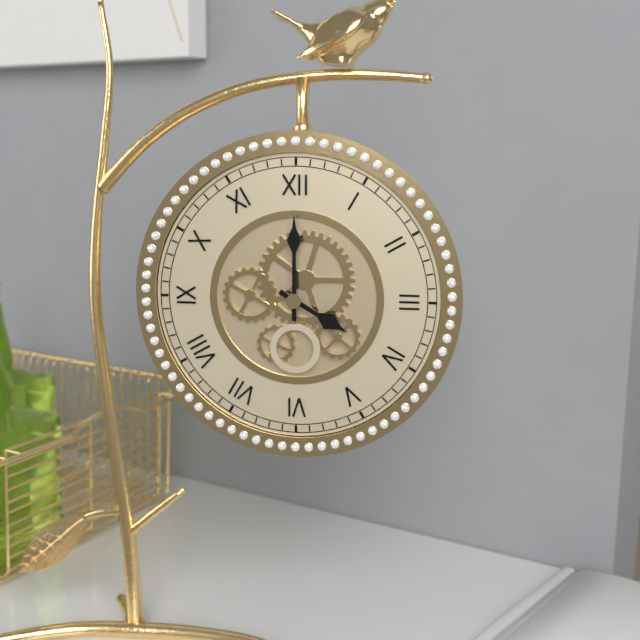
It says 4:00
